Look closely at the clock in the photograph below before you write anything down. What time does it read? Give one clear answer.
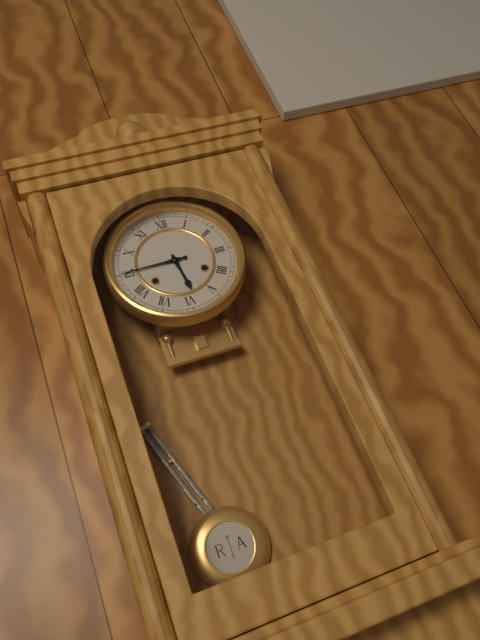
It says 5:45
